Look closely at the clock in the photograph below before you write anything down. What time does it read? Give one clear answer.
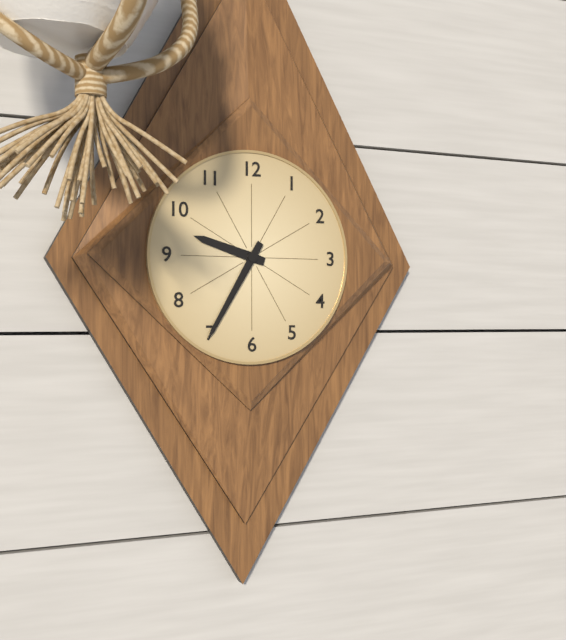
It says 9:35
